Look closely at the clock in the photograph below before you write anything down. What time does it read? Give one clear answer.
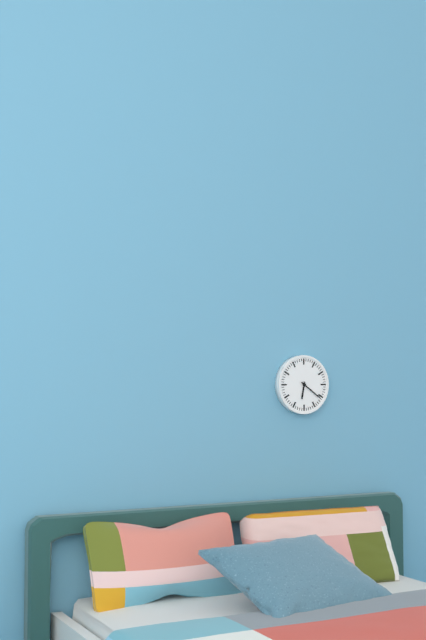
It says 6:21
